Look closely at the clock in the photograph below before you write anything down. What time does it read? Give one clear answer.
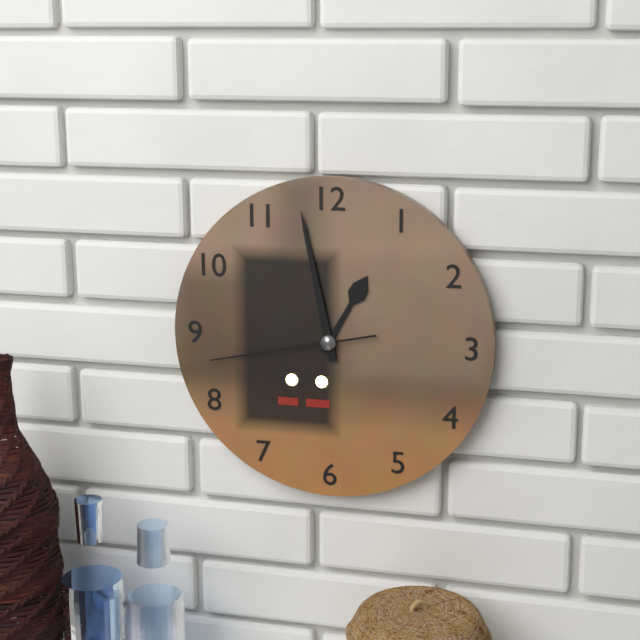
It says 12:58:43
